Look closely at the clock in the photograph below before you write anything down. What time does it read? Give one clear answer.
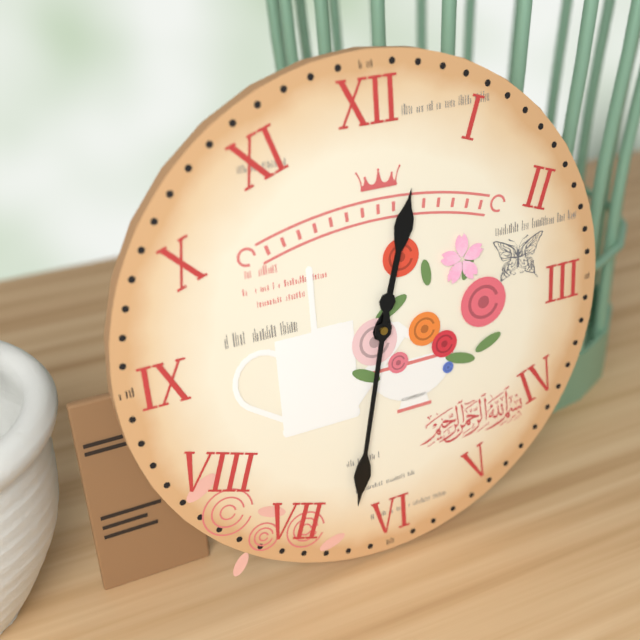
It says 12:32
